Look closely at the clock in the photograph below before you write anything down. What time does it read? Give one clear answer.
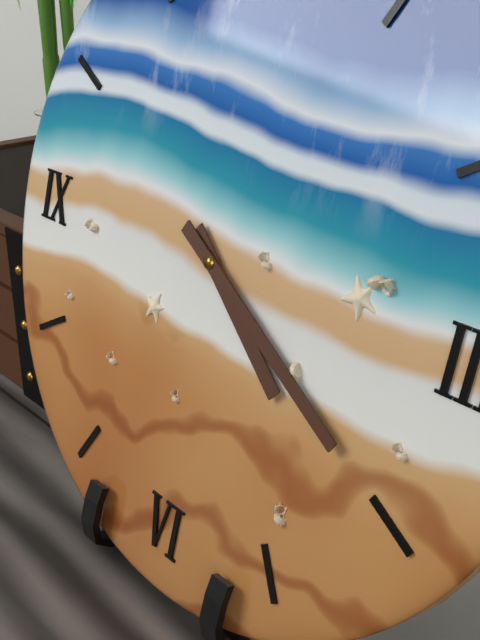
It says 4:20
